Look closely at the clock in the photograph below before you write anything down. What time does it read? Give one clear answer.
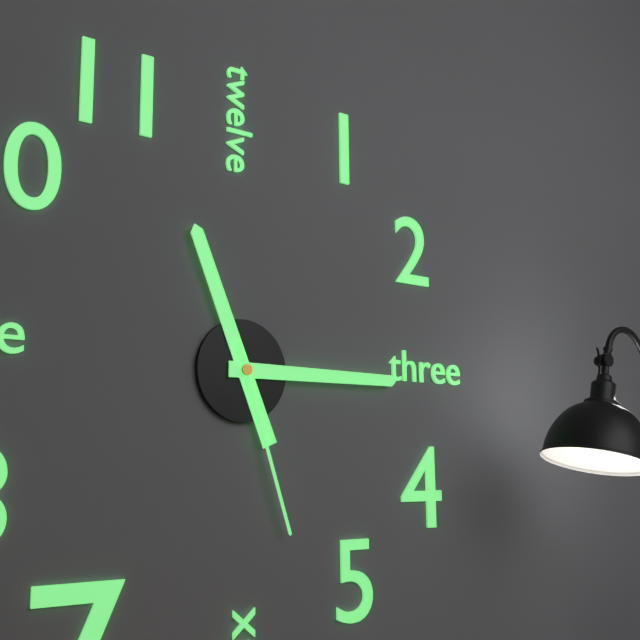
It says 11:15:27
